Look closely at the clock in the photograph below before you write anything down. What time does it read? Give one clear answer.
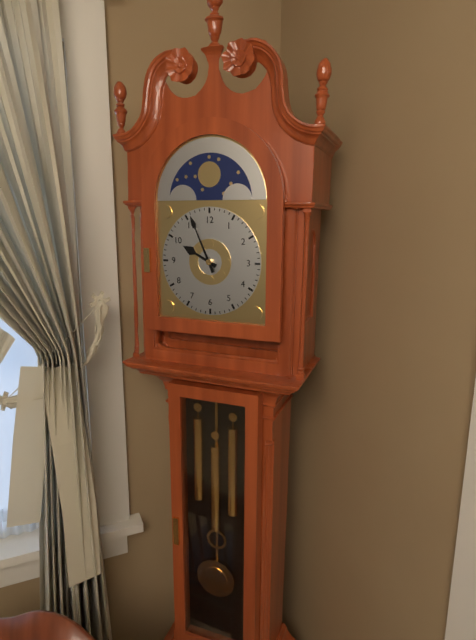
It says 9:56
